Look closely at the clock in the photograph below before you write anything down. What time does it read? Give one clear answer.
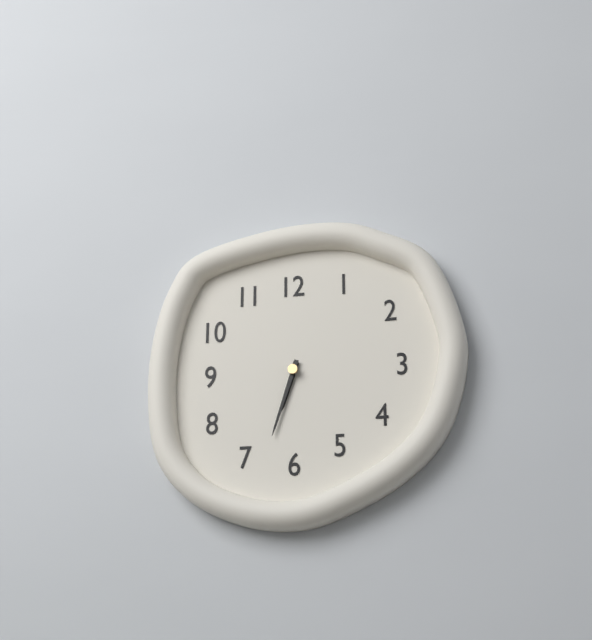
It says 6:33
